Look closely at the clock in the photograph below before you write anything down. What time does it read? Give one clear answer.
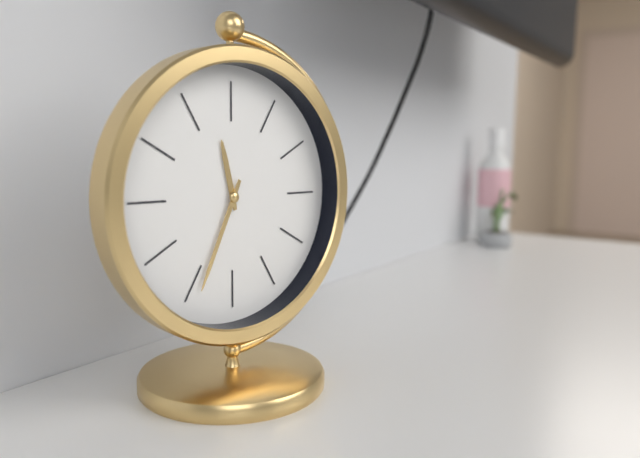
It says 11:34
